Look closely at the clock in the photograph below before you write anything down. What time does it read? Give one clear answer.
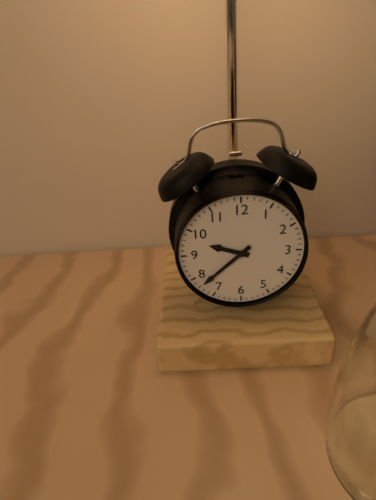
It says 9:38
